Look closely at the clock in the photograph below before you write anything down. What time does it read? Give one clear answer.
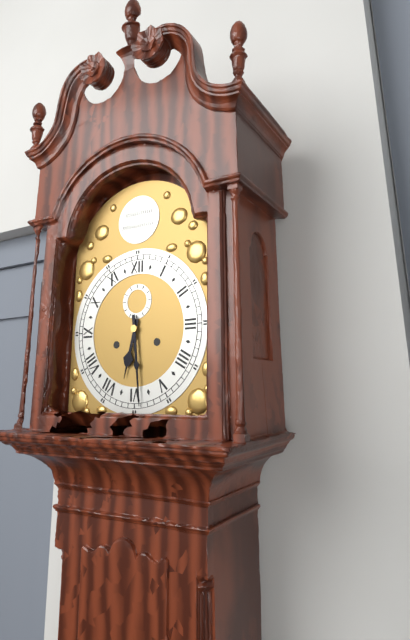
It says 6:29
